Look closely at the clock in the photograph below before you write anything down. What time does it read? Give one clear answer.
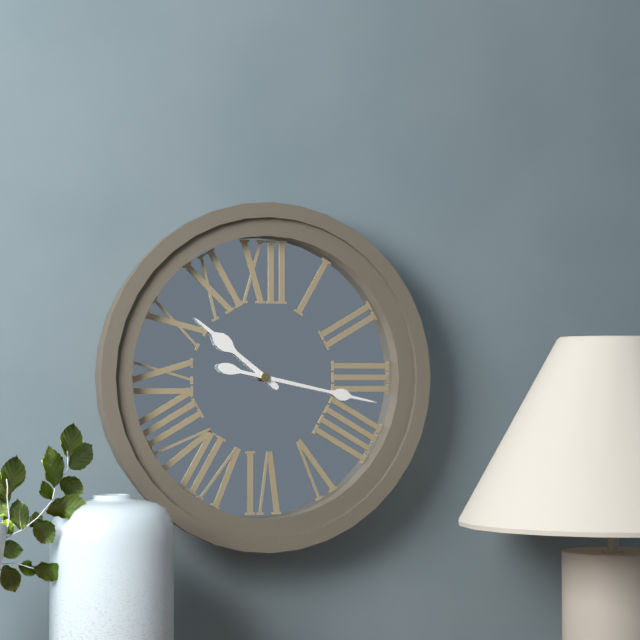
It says 10:17
